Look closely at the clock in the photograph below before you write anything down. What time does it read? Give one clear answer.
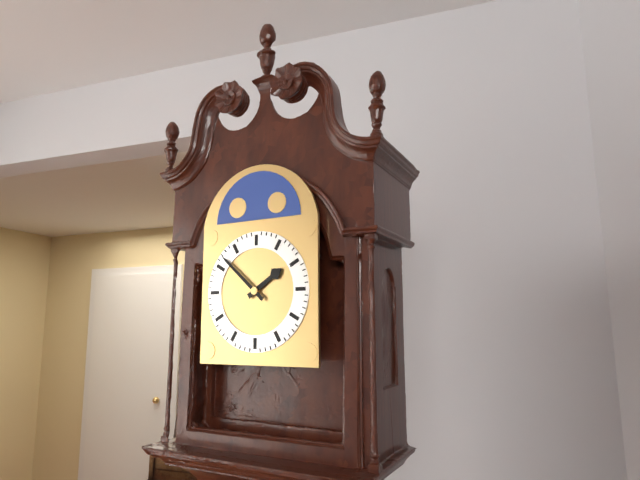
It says 1:52
